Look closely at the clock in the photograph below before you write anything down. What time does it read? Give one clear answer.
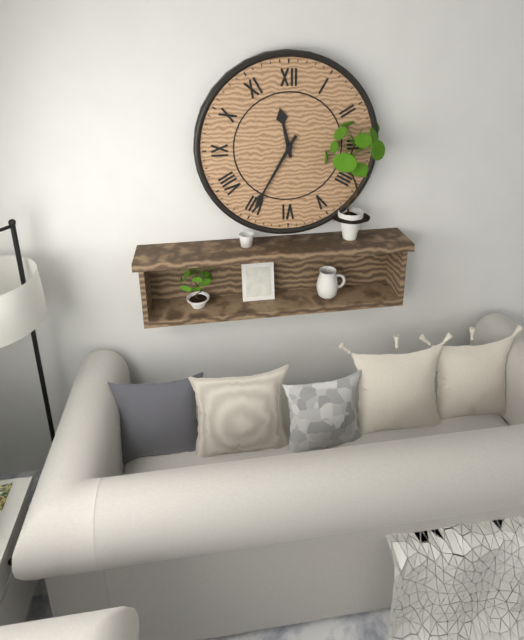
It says 11:35
